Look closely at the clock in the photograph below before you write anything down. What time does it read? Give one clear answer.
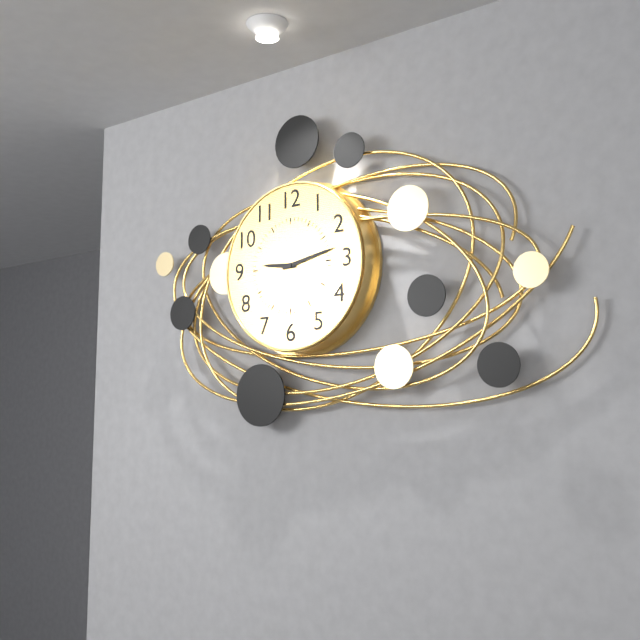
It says 9:13
